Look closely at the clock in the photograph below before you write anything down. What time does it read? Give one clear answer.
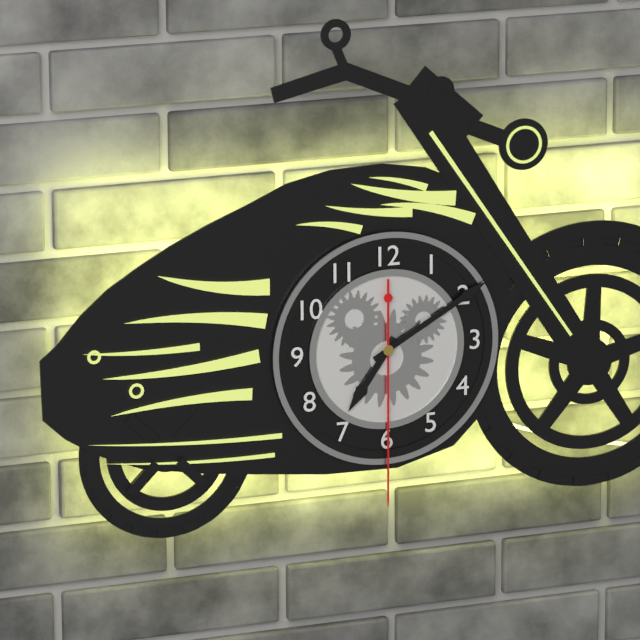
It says 7:10:30
